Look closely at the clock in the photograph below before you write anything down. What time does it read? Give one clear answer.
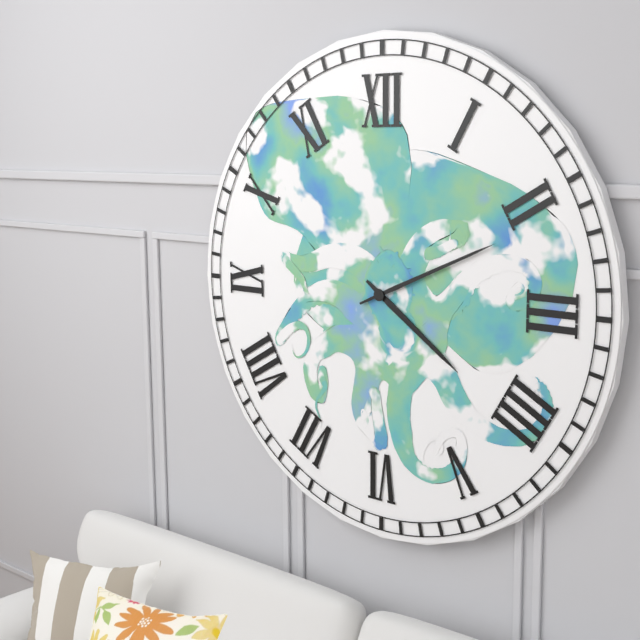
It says 4:11
